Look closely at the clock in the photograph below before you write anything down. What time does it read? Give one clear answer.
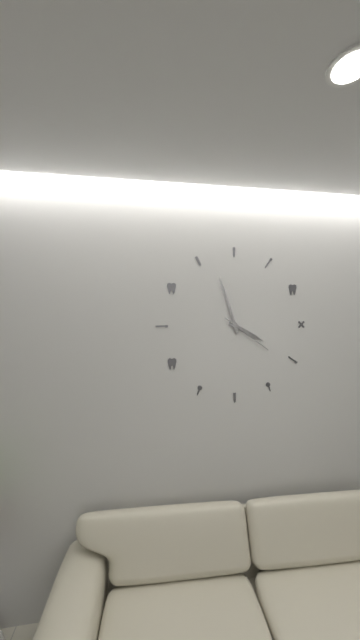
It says 3:57:21
